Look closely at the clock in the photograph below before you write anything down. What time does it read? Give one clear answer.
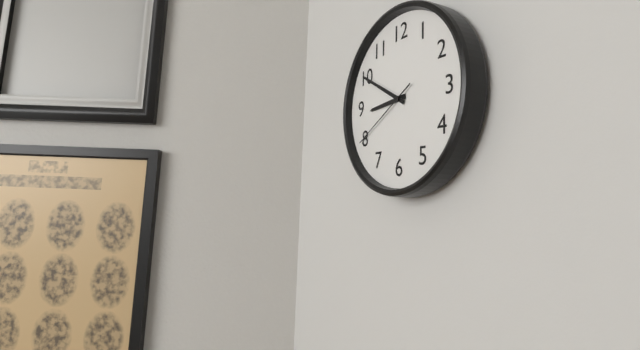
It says 8:50:40
